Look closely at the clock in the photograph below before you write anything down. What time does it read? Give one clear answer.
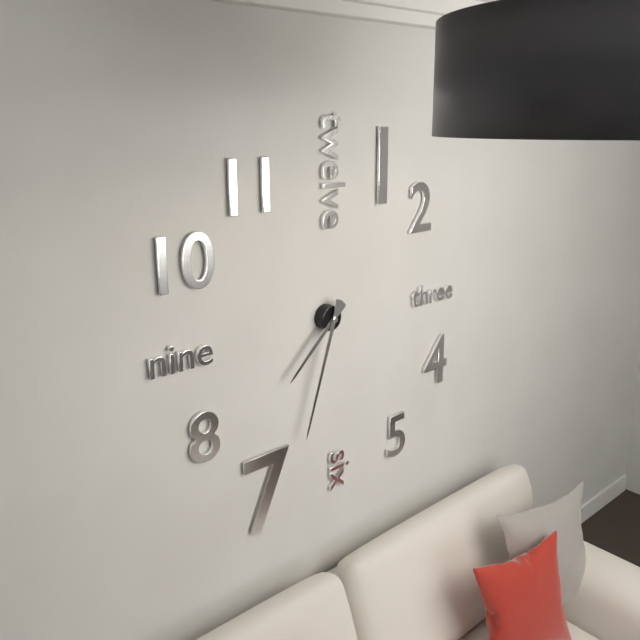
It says 7:33
